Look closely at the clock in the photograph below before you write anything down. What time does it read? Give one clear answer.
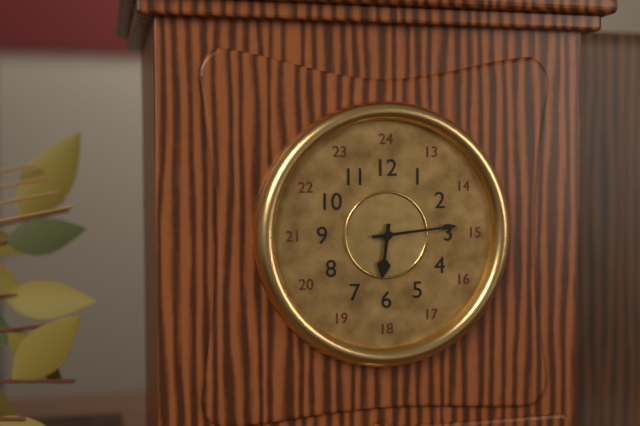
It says 6:14
